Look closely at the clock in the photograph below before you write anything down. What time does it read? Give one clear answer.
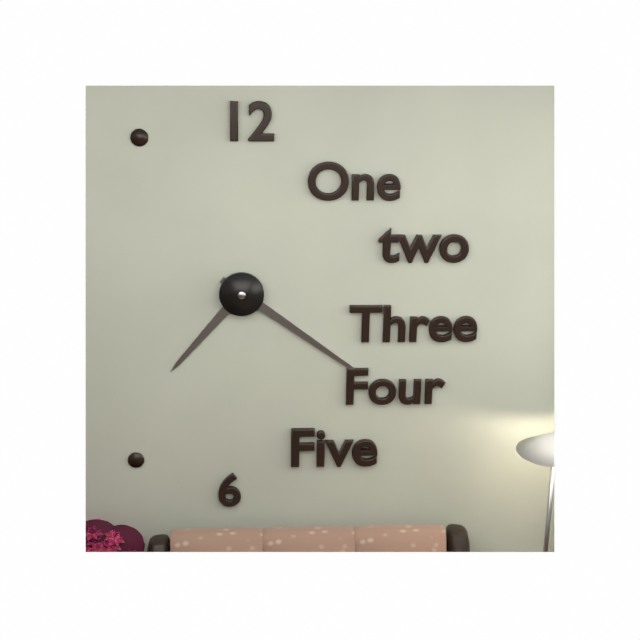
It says 7:21
